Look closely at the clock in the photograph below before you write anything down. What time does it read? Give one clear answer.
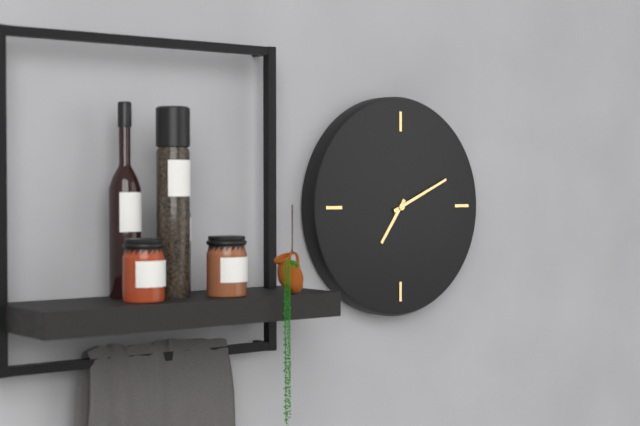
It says 7:11
